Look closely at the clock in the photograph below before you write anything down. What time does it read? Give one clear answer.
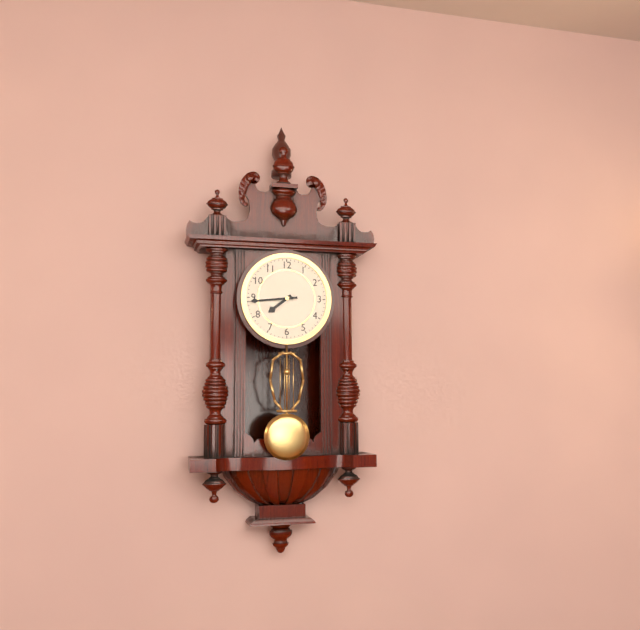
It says 7:44
